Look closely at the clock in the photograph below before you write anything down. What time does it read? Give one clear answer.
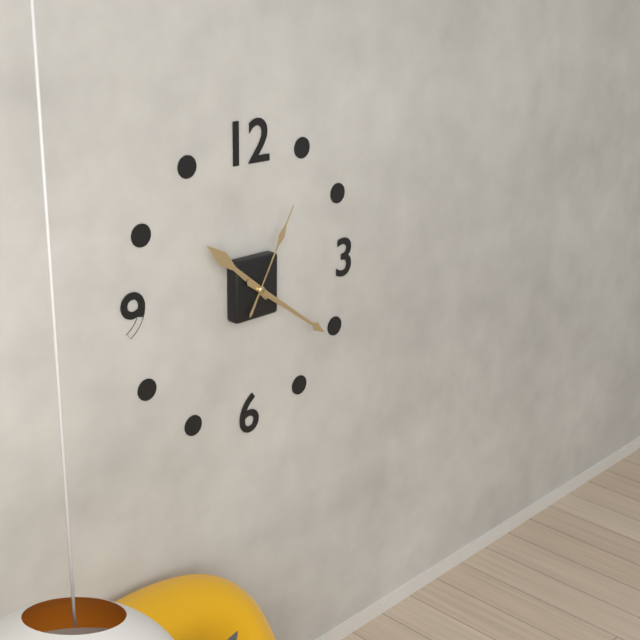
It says 10:21:05
